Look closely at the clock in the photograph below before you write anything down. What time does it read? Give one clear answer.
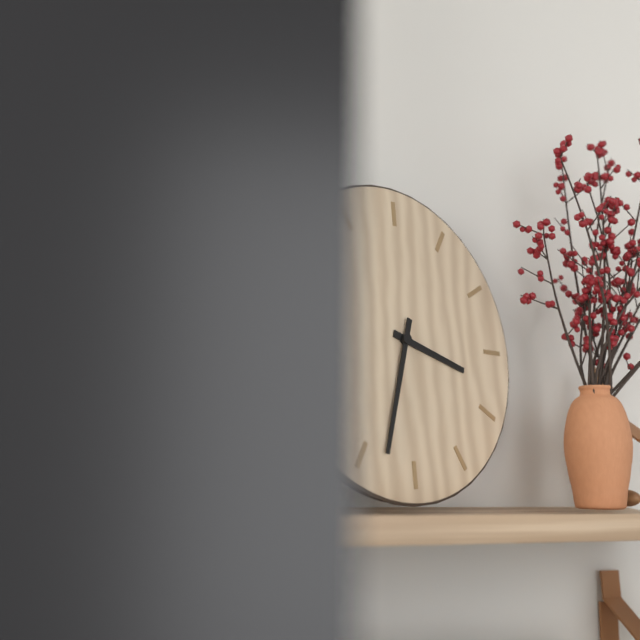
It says 3:33
